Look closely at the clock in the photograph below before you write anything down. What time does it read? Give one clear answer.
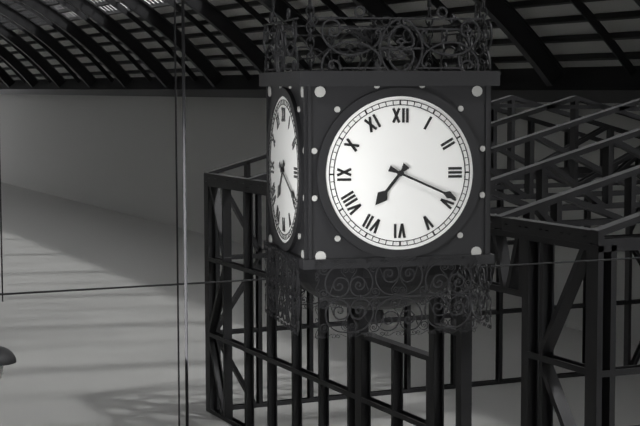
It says 7:19
